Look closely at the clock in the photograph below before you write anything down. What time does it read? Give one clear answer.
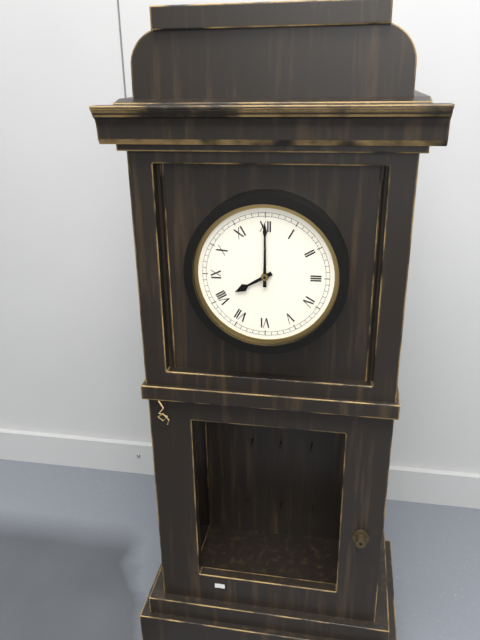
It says 8:00
